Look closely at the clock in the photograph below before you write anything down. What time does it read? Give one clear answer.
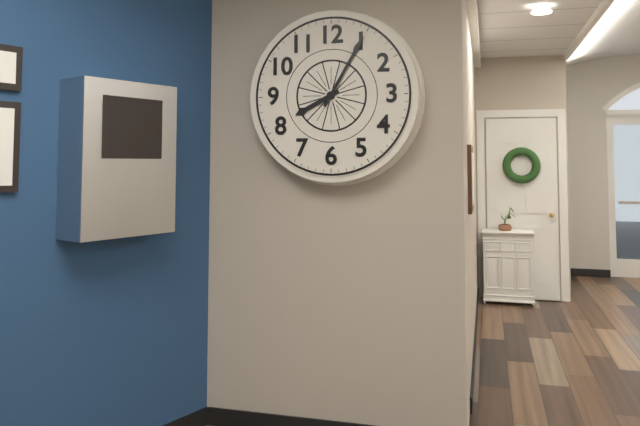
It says 8:05
